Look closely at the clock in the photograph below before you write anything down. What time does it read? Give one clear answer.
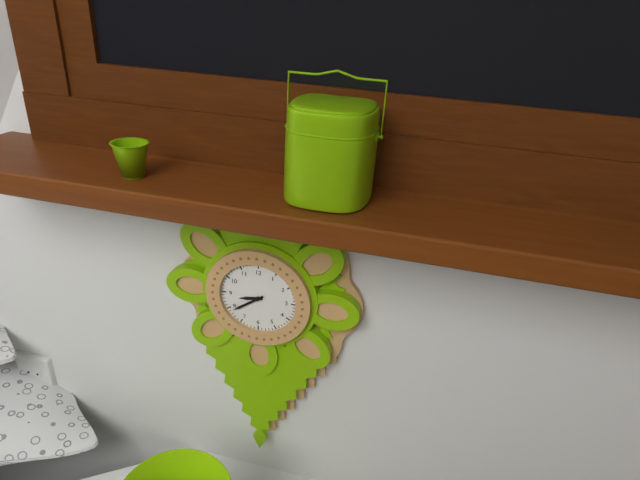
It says 8:39
